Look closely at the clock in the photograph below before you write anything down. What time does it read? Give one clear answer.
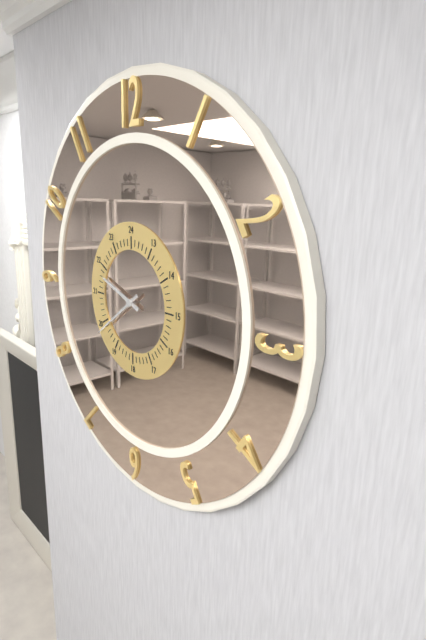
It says 9:39
